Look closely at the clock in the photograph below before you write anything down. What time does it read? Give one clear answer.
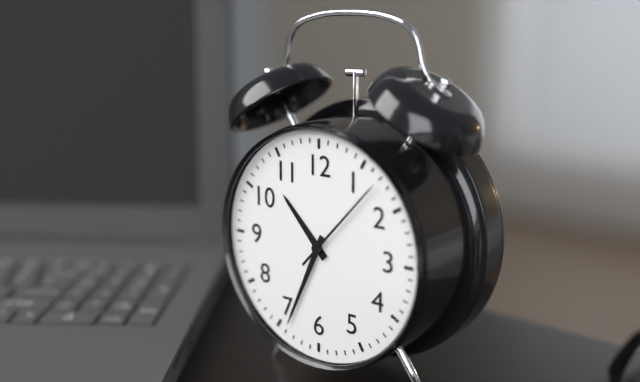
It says 10:34:07
